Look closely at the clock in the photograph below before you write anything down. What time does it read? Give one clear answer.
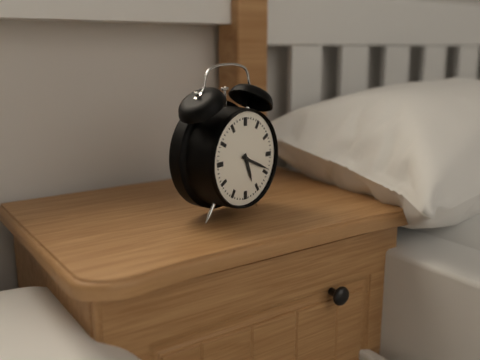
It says 5:19
